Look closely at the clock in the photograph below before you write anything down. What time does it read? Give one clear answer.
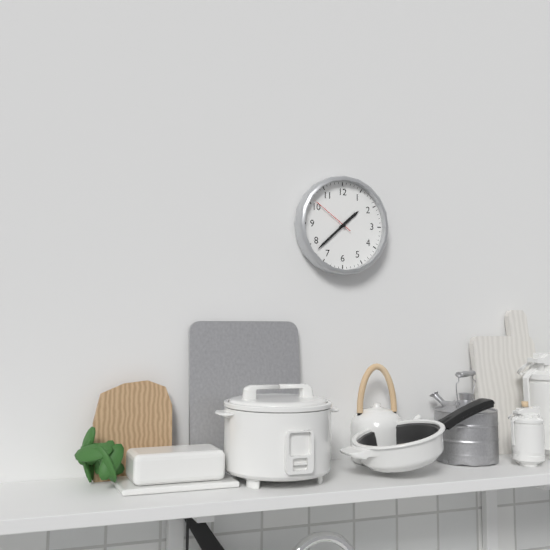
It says 1:38
